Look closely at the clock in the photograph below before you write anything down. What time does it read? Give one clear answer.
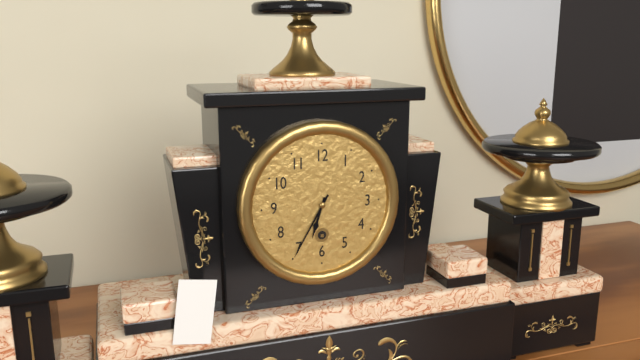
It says 6:35
